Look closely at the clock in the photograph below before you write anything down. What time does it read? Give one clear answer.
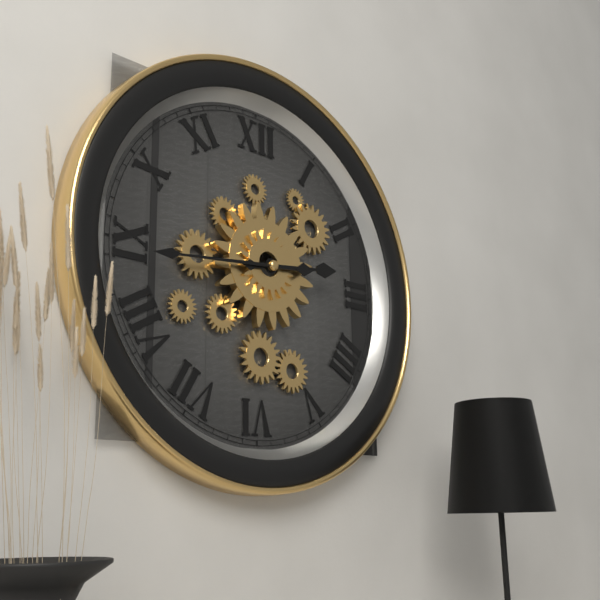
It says 2:44
